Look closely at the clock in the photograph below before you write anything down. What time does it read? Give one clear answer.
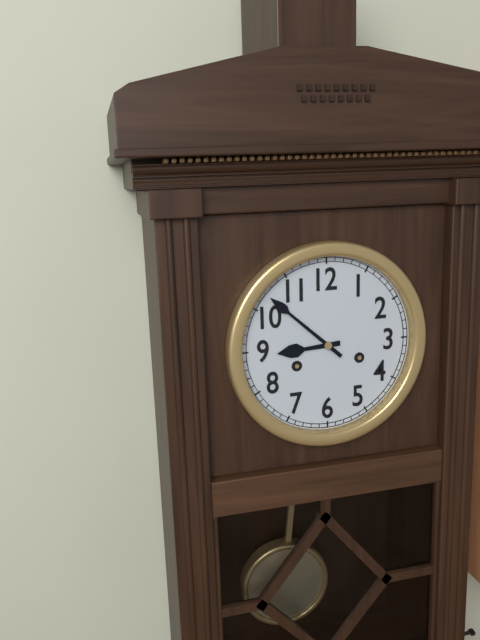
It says 8:52
